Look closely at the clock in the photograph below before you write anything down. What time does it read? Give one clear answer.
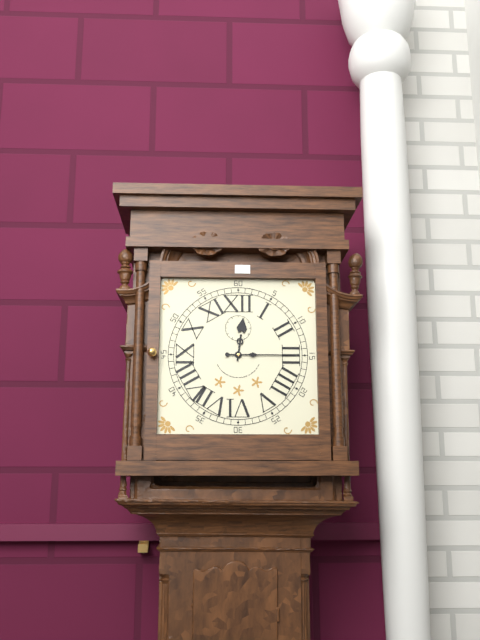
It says 12:15
